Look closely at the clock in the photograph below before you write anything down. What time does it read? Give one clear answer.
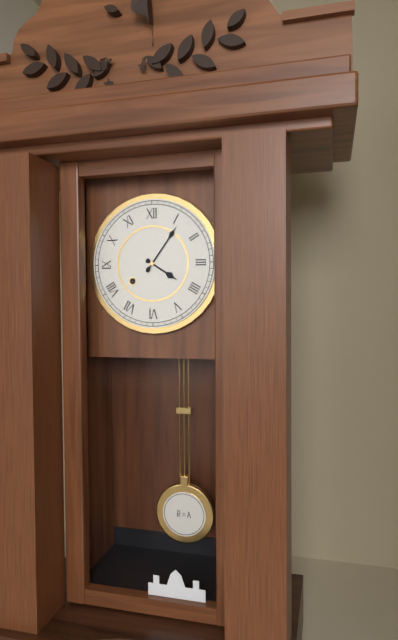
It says 4:06
